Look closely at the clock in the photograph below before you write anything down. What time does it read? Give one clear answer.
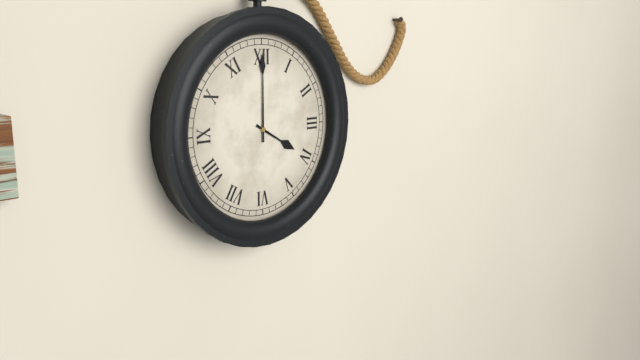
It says 4:00
